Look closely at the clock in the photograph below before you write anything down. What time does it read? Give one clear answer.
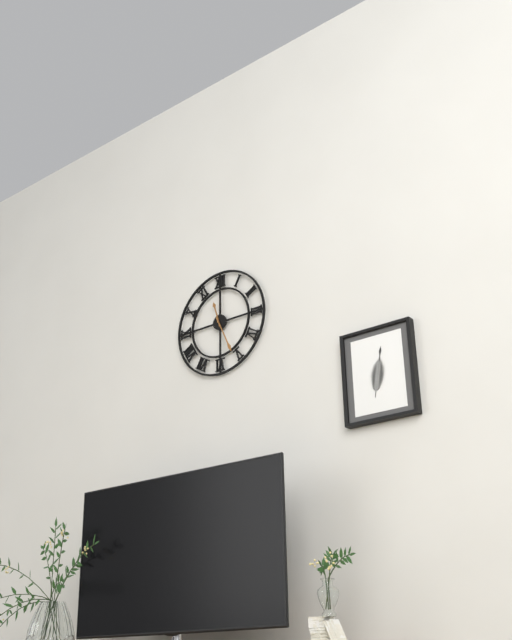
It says 11:26
